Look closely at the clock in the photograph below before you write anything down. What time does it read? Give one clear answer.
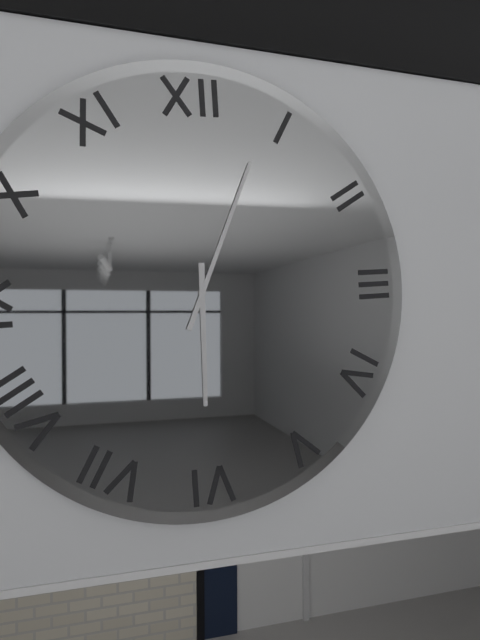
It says 6:04
